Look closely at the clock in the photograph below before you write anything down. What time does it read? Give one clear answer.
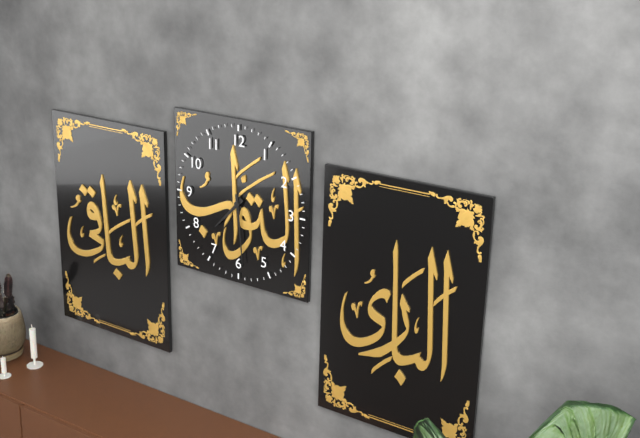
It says 7:29
